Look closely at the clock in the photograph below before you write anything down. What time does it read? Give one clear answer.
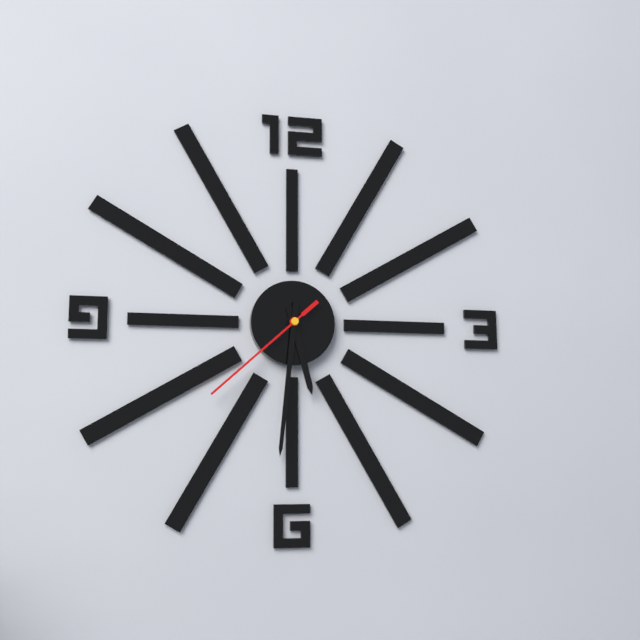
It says 5:31:38
